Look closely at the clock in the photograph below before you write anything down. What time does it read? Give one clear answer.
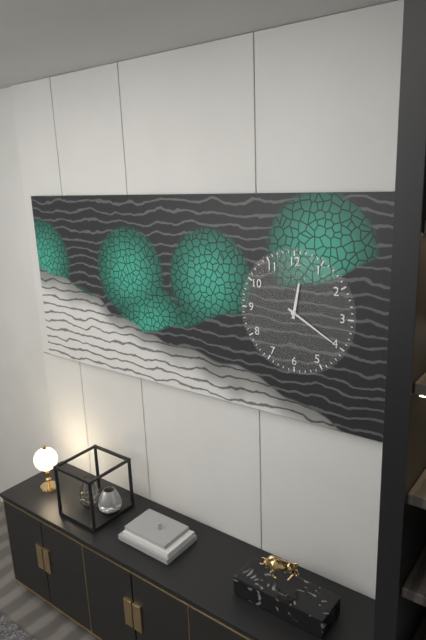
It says 12:20
